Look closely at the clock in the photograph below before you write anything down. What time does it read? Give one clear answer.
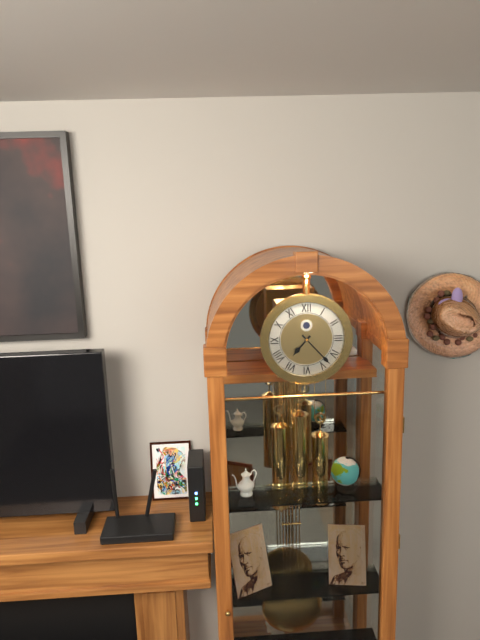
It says 7:23
